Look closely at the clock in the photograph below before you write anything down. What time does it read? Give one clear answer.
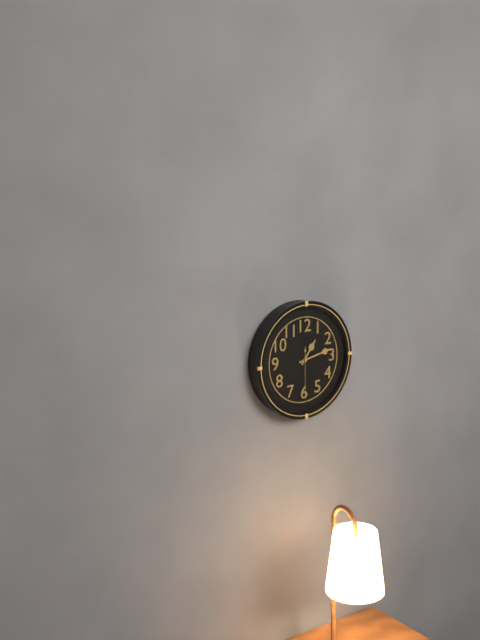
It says 1:13
